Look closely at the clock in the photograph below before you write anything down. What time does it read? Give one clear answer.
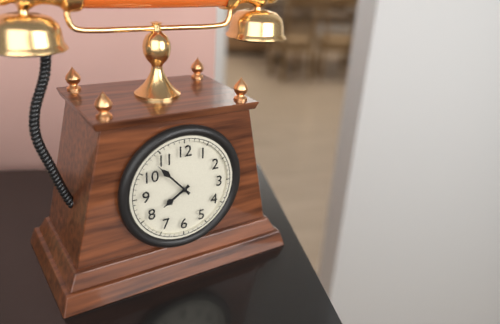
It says 7:53
